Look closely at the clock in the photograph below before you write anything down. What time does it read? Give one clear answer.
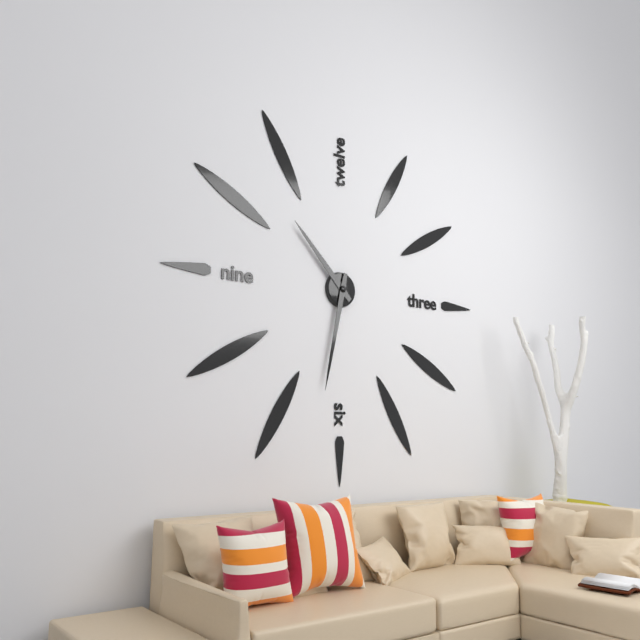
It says 10:32
